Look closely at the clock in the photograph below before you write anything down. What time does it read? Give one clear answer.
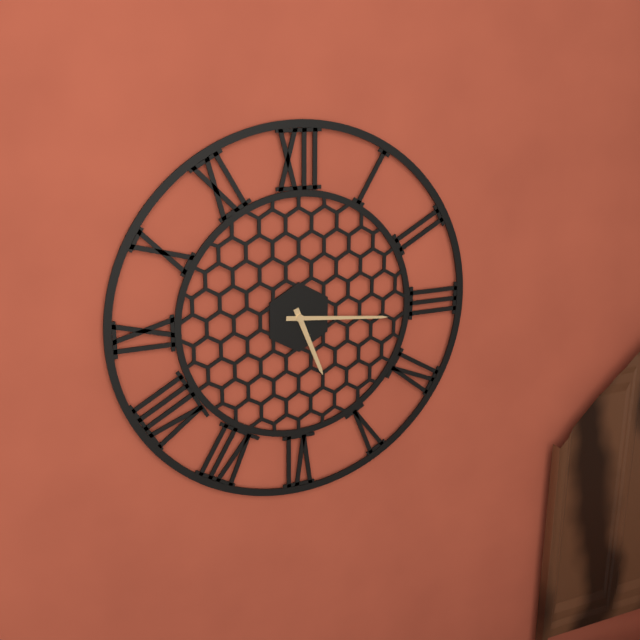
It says 5:16
